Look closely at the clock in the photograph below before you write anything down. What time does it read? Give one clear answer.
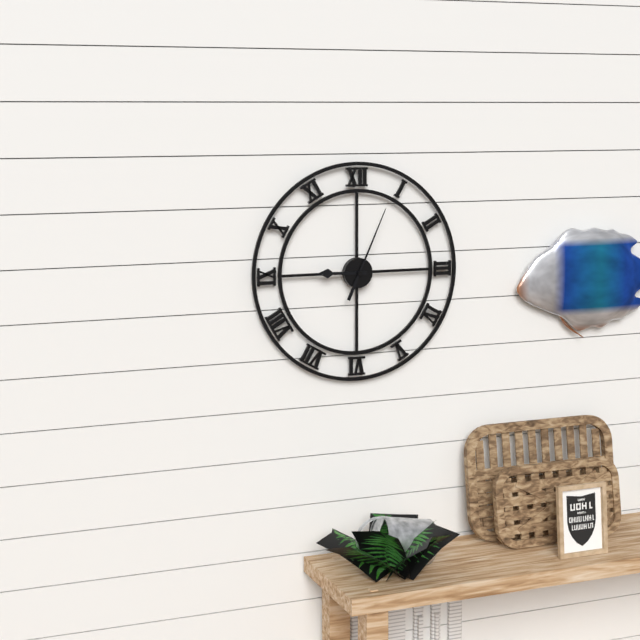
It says 9:04
